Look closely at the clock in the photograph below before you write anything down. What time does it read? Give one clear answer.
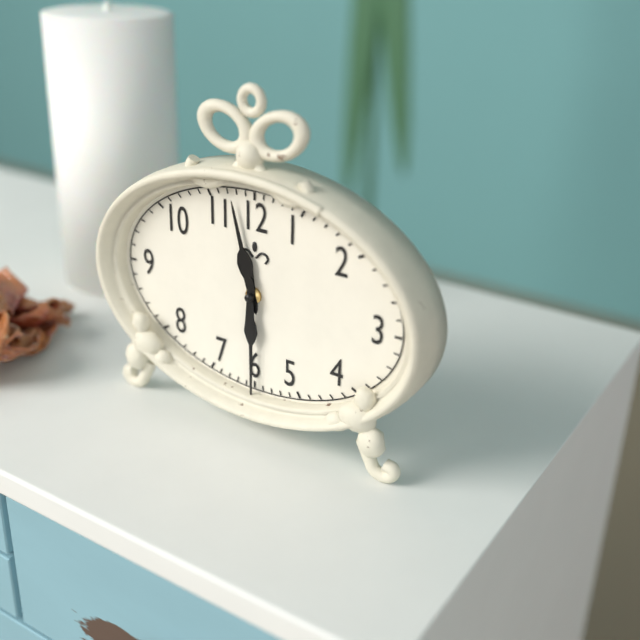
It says 11:30
